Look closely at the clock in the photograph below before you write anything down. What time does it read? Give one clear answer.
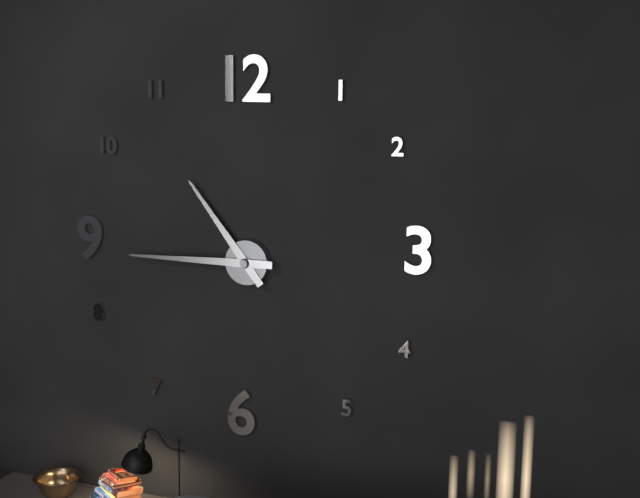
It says 10:45
